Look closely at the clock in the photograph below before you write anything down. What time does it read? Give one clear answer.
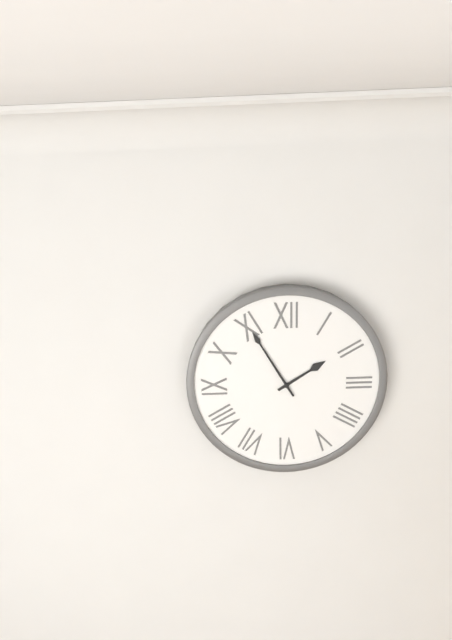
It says 1:55
